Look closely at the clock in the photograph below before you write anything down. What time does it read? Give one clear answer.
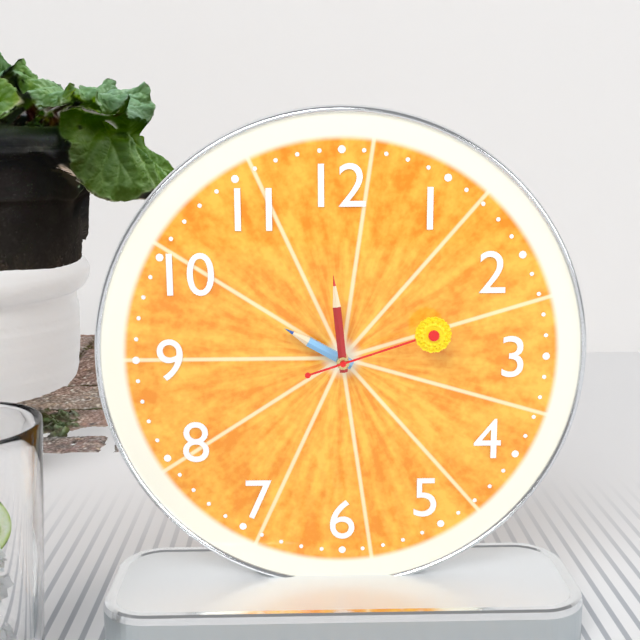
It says 9:59:12
